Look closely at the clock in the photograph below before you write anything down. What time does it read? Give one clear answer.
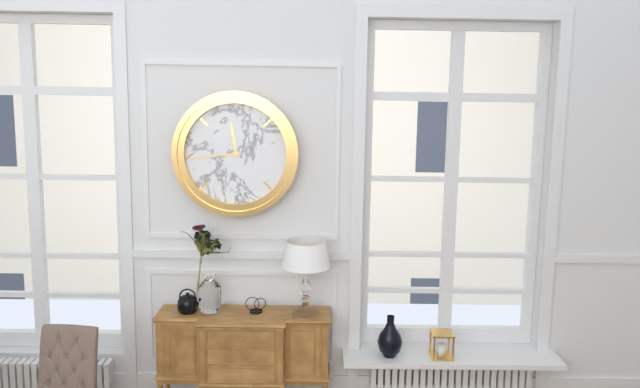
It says 11:44
